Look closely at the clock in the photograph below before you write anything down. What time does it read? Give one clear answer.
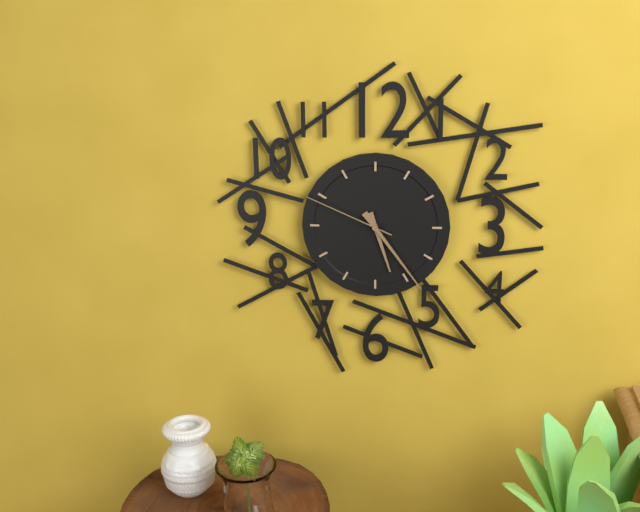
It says 5:24:49
